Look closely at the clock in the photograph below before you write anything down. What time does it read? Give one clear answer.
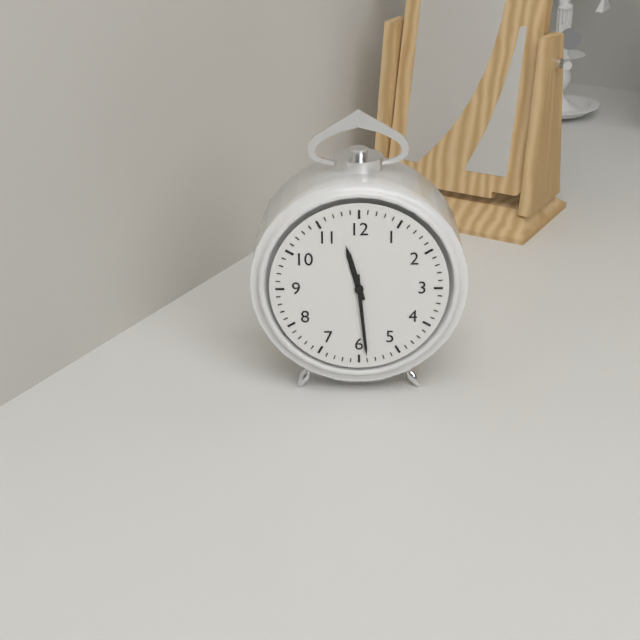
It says 11:29
